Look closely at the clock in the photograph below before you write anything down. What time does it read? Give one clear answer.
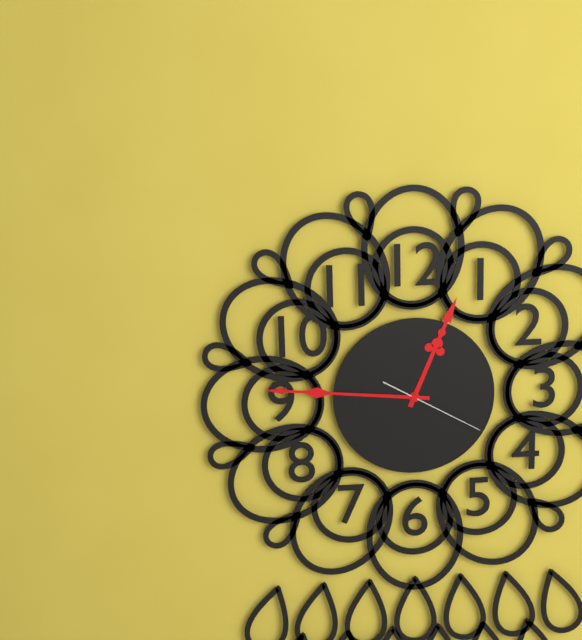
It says 12:46:20
